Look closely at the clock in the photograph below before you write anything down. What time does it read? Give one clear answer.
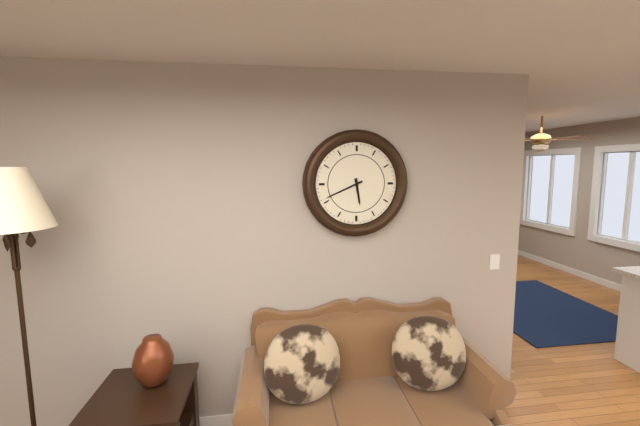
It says 5:41
